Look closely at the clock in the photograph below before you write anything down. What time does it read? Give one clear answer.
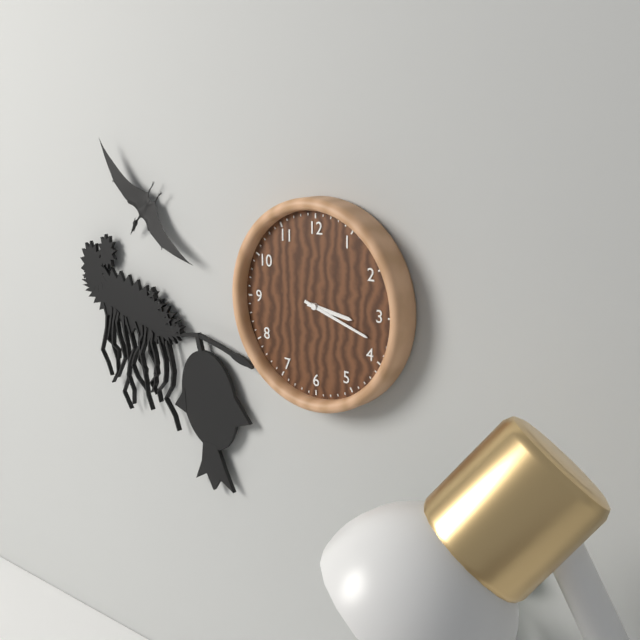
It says 3:18
